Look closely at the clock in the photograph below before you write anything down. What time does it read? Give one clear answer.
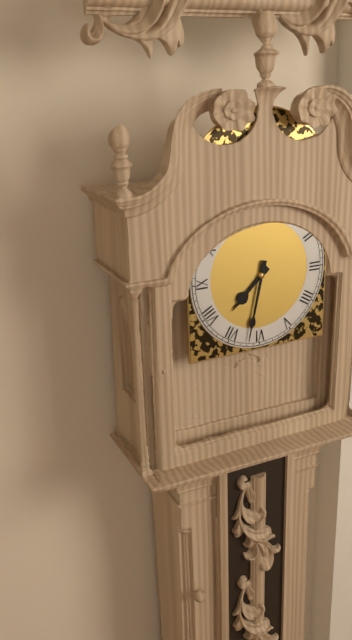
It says 7:32
